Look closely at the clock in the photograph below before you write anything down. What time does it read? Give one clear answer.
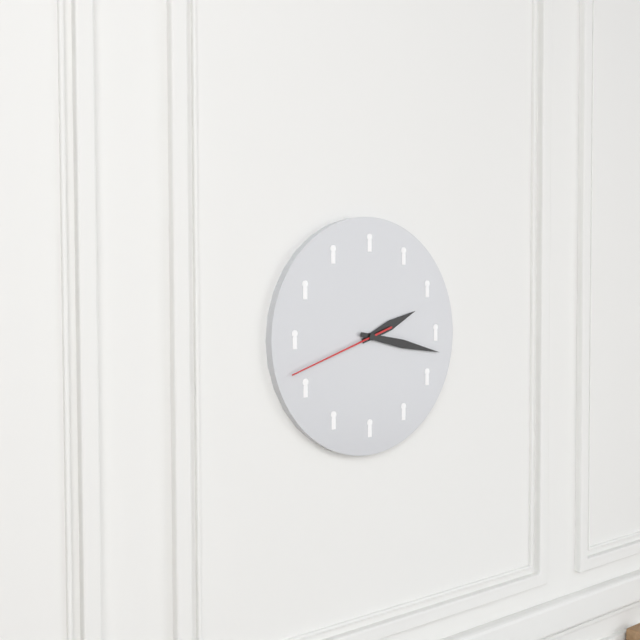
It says 2:17:42
